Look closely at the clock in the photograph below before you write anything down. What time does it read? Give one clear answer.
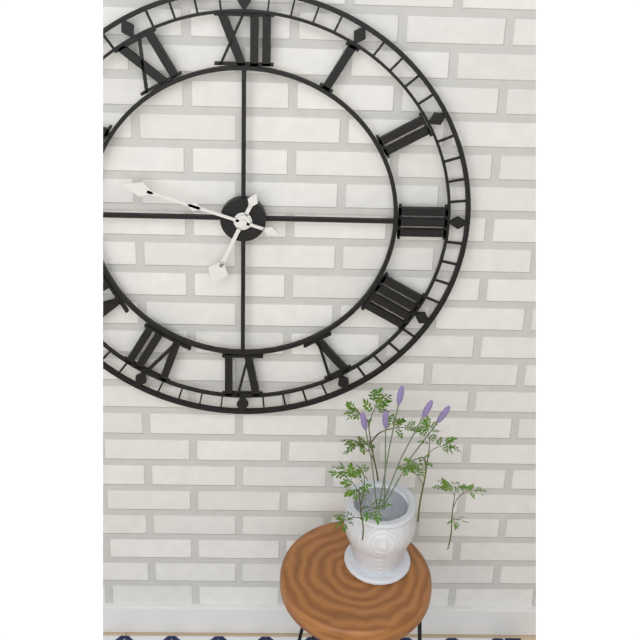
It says 6:48
